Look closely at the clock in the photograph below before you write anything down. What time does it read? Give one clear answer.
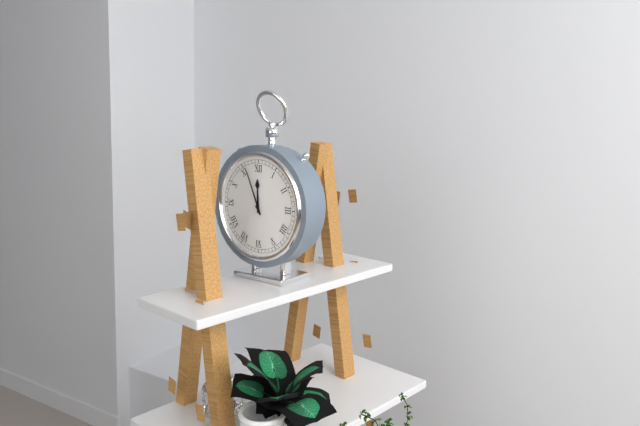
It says 11:56
